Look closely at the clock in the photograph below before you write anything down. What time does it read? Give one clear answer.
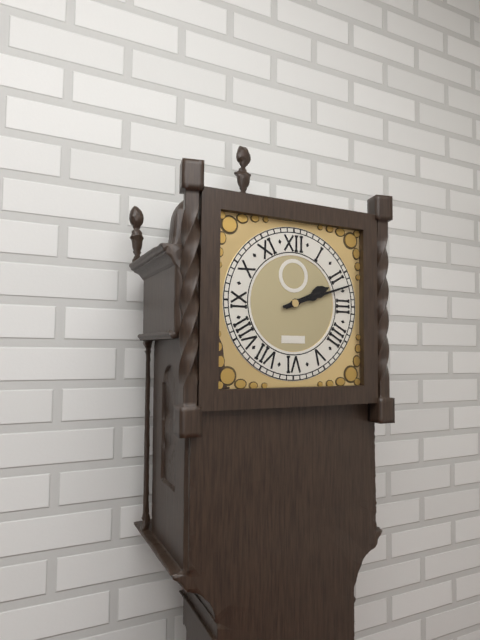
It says 2:12
